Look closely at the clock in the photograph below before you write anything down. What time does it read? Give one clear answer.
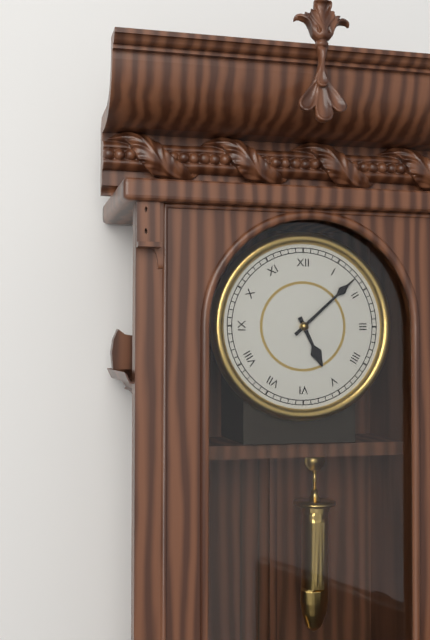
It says 5:08
